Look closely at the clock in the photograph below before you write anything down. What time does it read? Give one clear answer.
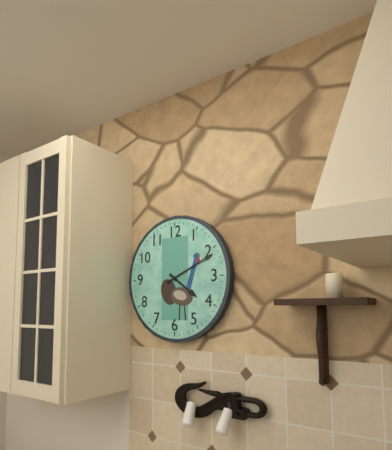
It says 4:11
